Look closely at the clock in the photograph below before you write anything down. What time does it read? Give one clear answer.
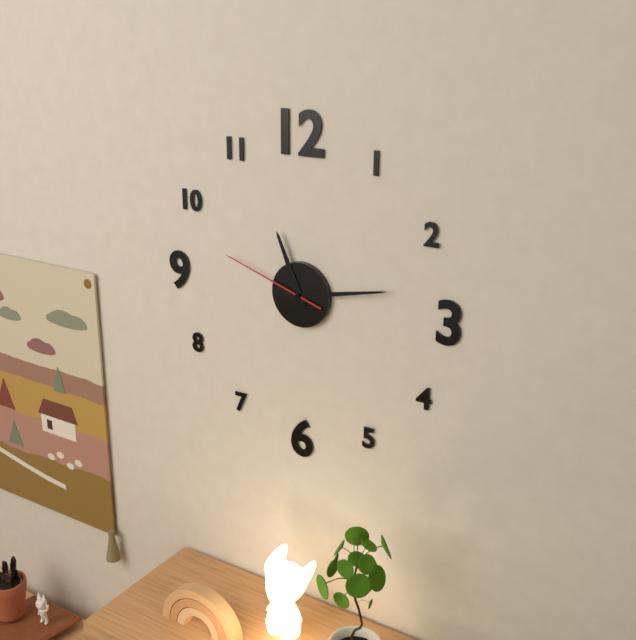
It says 11:13:48
